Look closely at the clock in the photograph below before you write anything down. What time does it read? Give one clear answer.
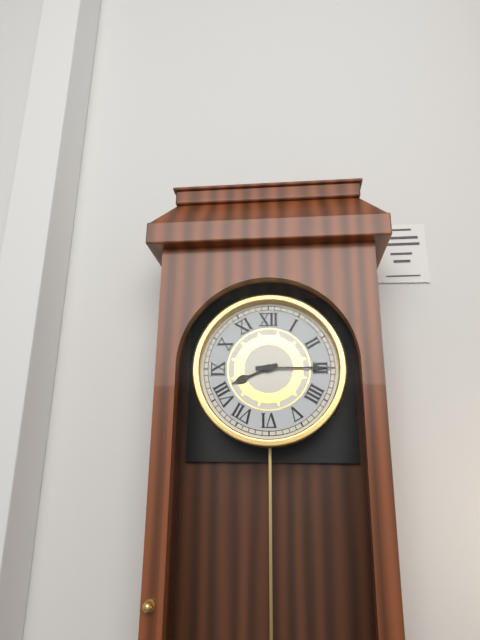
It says 8:15
